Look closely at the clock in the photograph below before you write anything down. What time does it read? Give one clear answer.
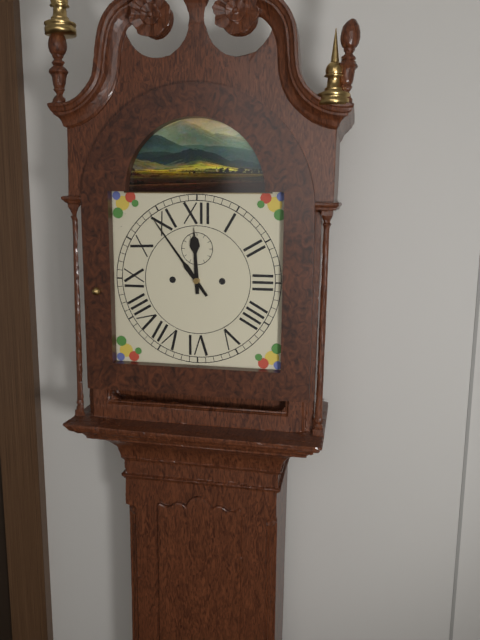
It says 11:54
